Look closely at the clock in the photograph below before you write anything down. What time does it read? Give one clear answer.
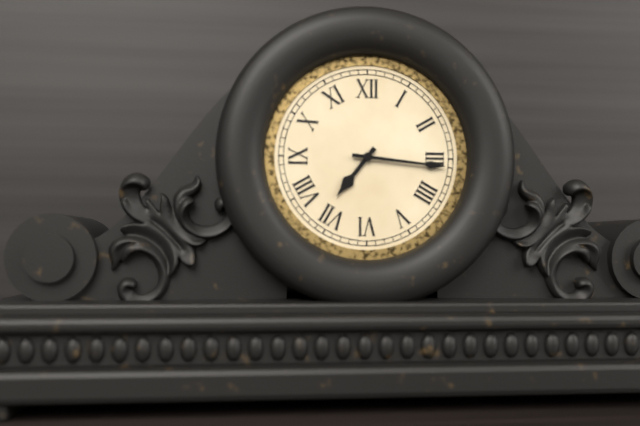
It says 7:16
